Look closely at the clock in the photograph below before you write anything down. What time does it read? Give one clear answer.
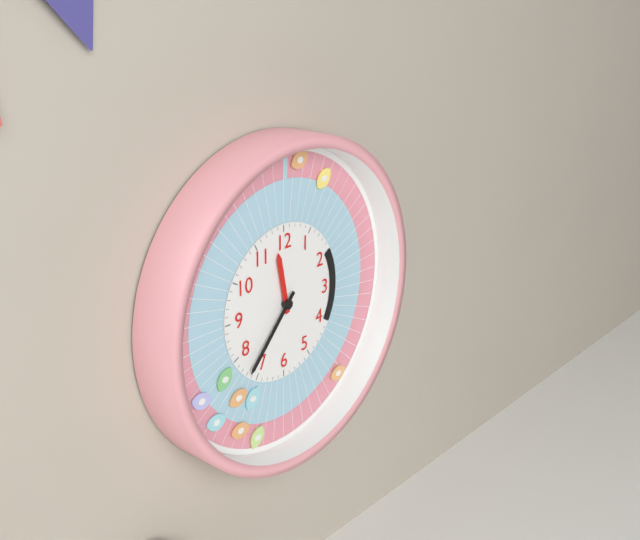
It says 11:37
